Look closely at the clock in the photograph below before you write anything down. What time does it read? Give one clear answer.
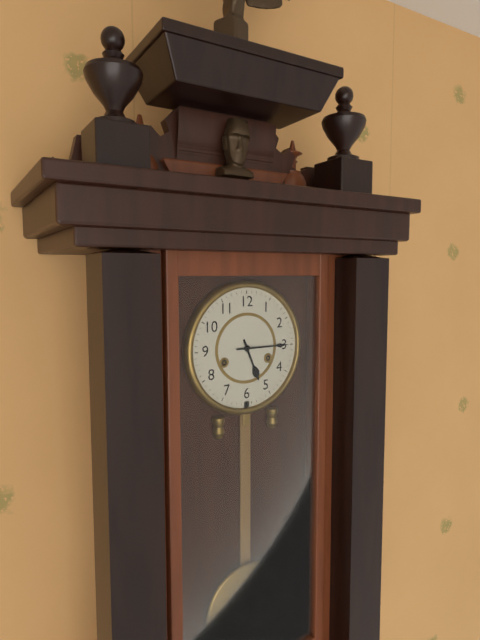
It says 5:15
